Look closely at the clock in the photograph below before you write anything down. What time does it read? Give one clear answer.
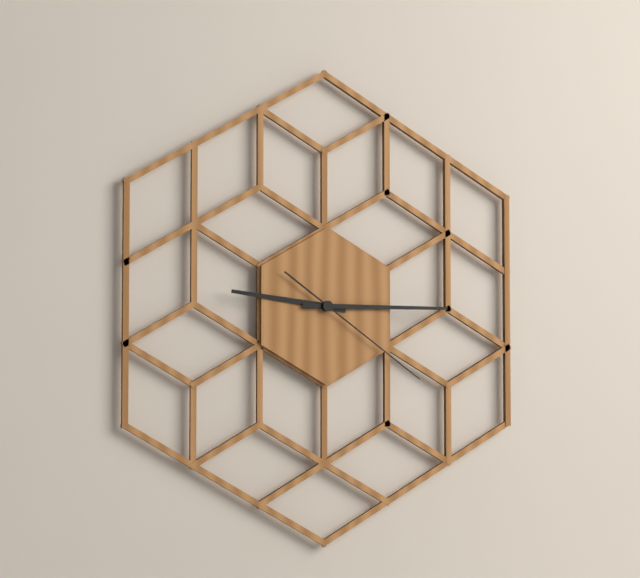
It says 9:15:21
